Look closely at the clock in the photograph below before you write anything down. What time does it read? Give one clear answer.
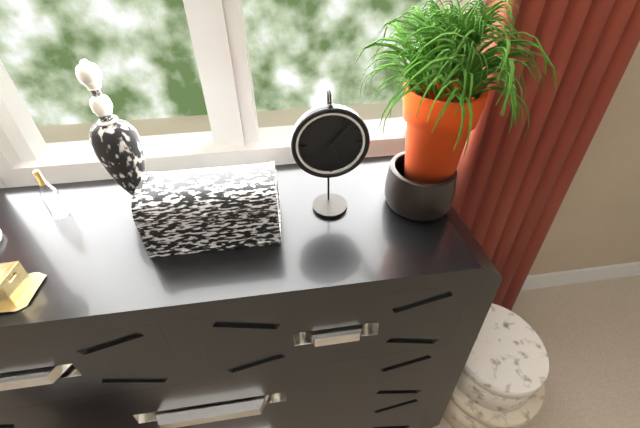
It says 5:07
